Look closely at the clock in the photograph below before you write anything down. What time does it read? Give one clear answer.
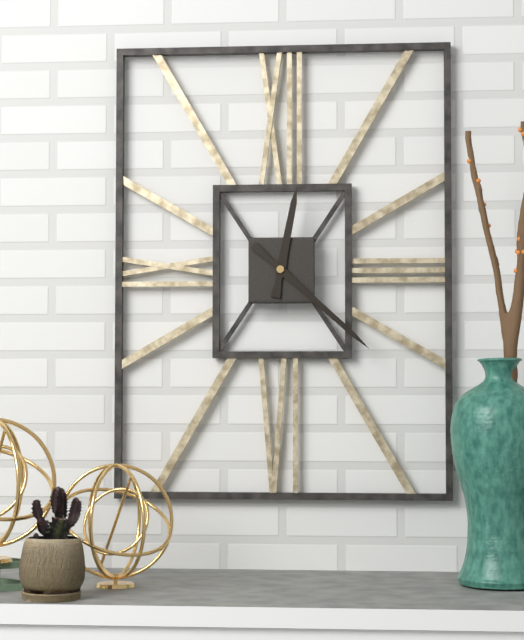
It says 12:22
